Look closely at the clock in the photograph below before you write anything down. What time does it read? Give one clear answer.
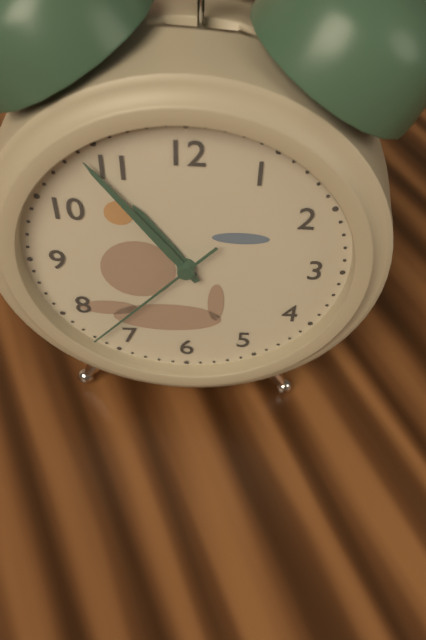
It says 10:54:37
